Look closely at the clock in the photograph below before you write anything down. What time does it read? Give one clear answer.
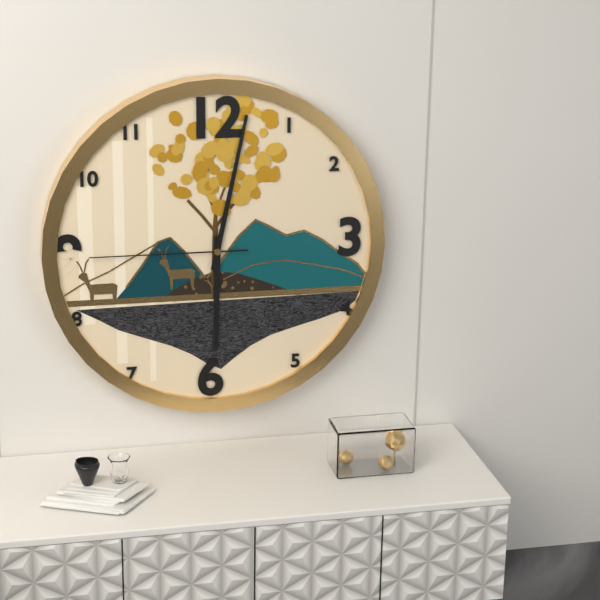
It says 6:02:45
